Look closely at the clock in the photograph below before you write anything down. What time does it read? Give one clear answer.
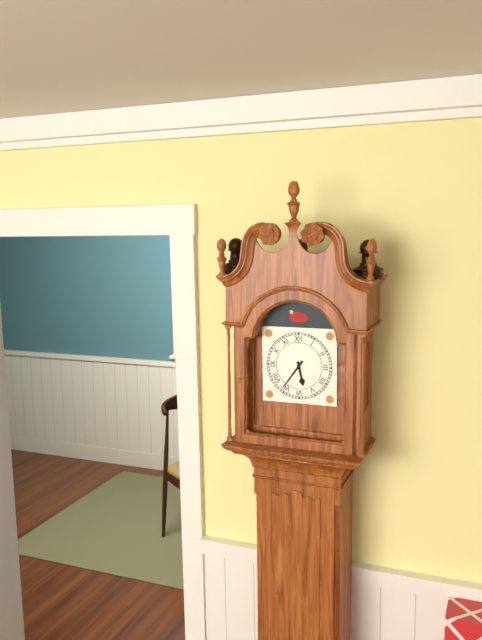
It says 5:36
